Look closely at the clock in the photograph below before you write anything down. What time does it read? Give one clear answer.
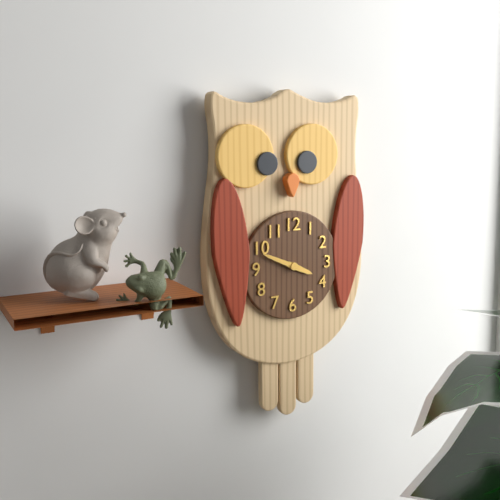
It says 3:49
